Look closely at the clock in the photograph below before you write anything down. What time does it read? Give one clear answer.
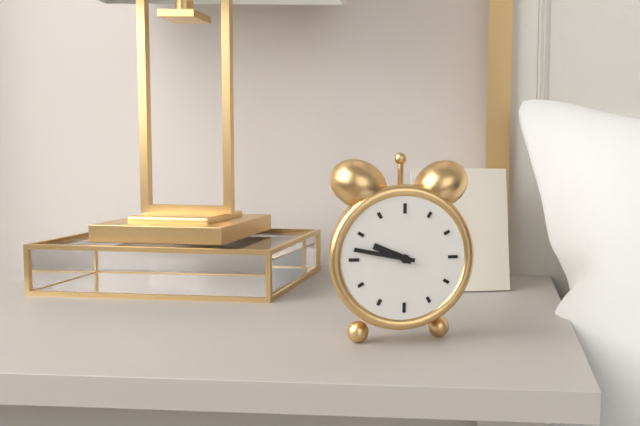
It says 9:47
